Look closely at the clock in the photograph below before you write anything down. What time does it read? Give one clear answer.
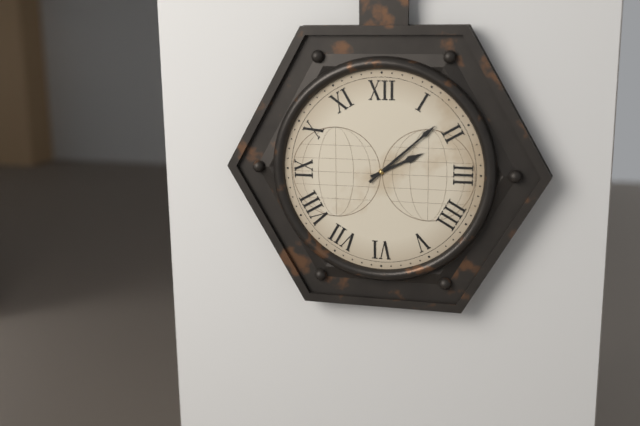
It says 2:08
